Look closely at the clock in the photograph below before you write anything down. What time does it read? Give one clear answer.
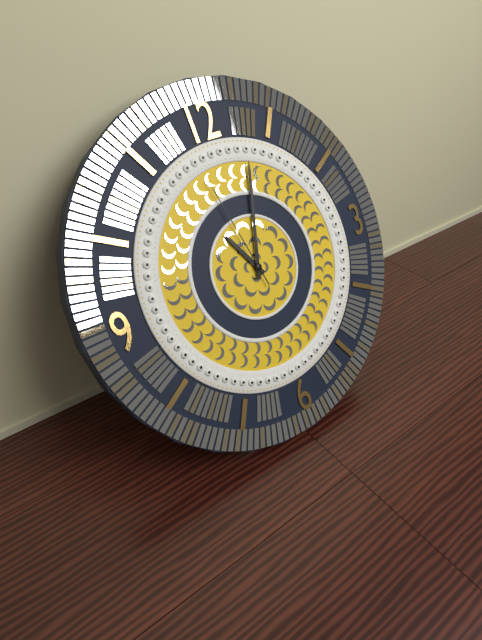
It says 11:03:58
